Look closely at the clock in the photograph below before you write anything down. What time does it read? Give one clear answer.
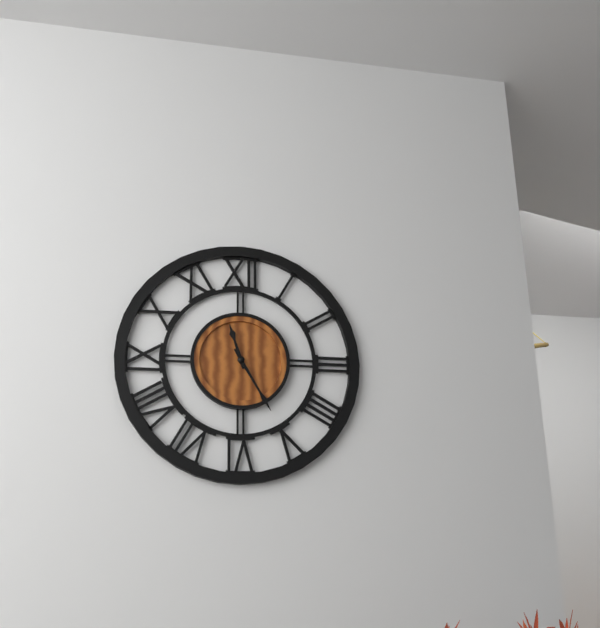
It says 11:25
